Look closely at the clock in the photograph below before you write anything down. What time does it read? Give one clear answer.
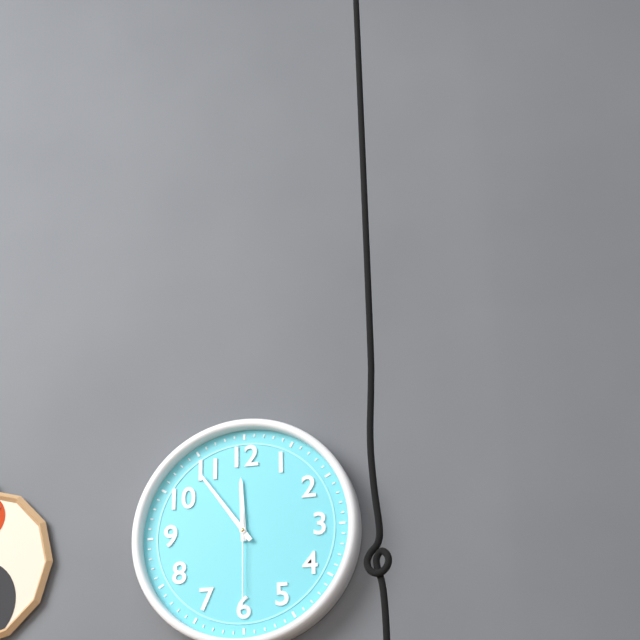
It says 11:54:30
